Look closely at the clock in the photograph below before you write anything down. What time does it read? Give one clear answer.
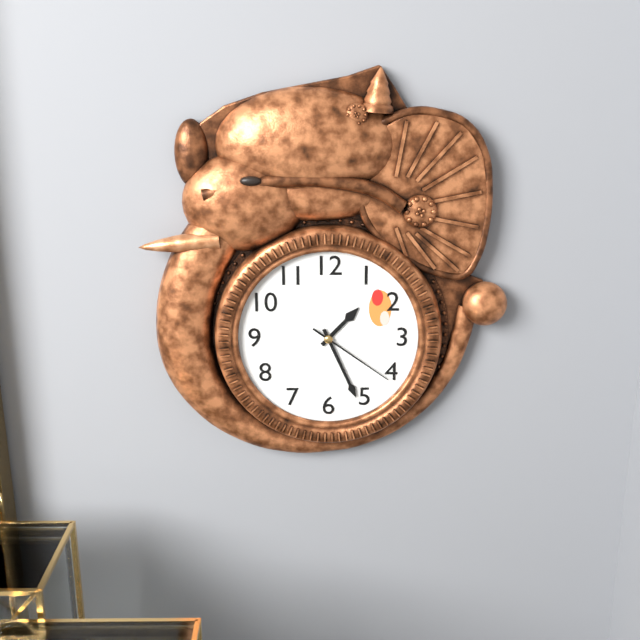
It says 1:26:21
